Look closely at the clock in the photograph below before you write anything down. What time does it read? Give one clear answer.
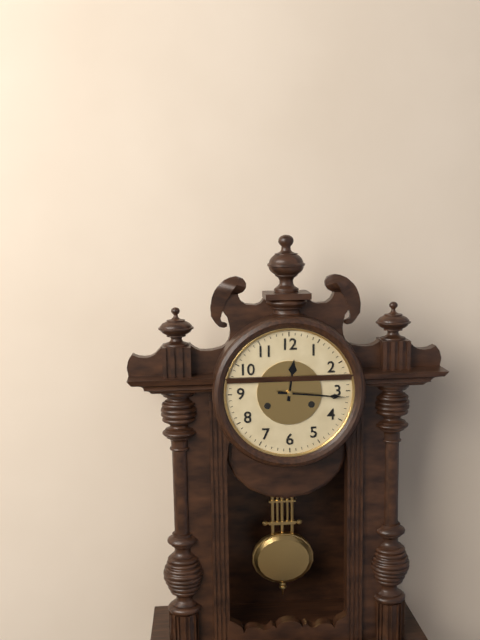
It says 12:16
